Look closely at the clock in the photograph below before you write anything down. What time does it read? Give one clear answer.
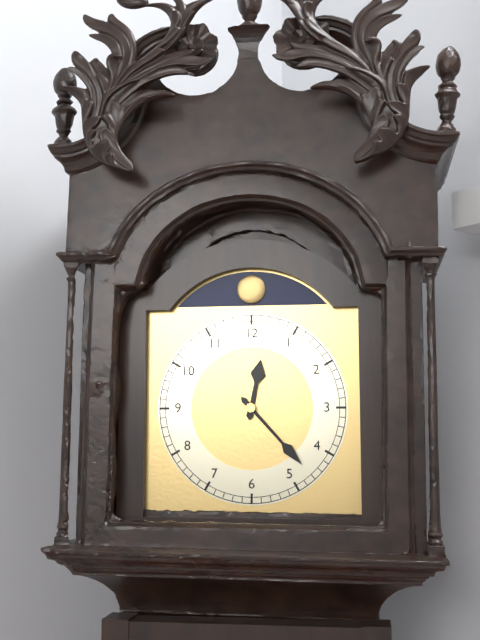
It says 12:23
